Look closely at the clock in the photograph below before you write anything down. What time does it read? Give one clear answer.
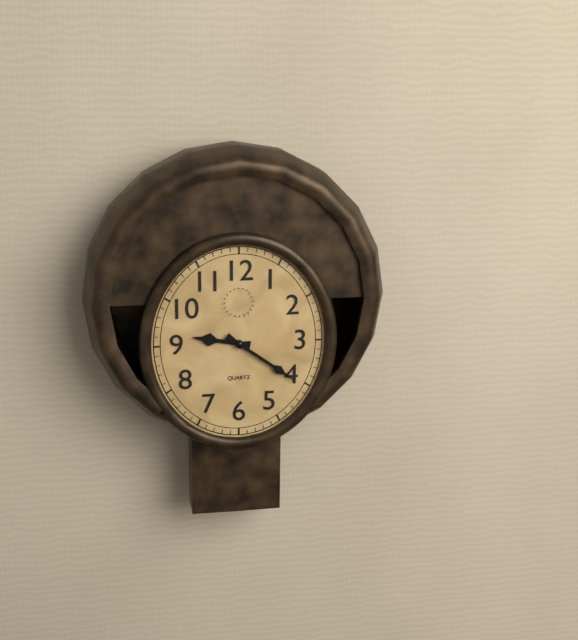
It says 9:21
